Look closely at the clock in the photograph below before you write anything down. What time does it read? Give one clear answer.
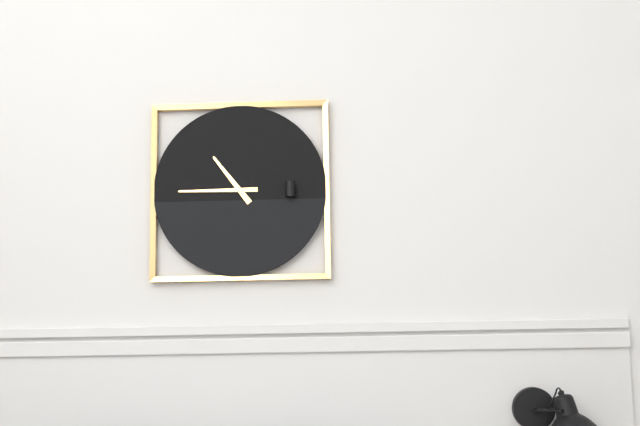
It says 10:45
